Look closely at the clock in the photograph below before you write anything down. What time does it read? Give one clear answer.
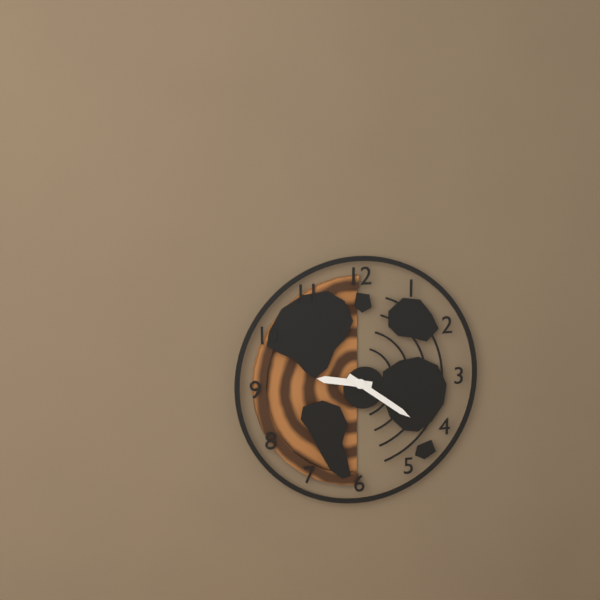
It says 9:21
